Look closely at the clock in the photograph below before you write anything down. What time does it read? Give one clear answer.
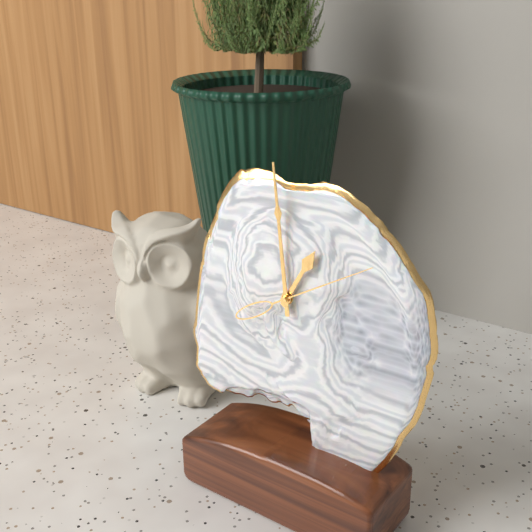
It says 12:59:10
